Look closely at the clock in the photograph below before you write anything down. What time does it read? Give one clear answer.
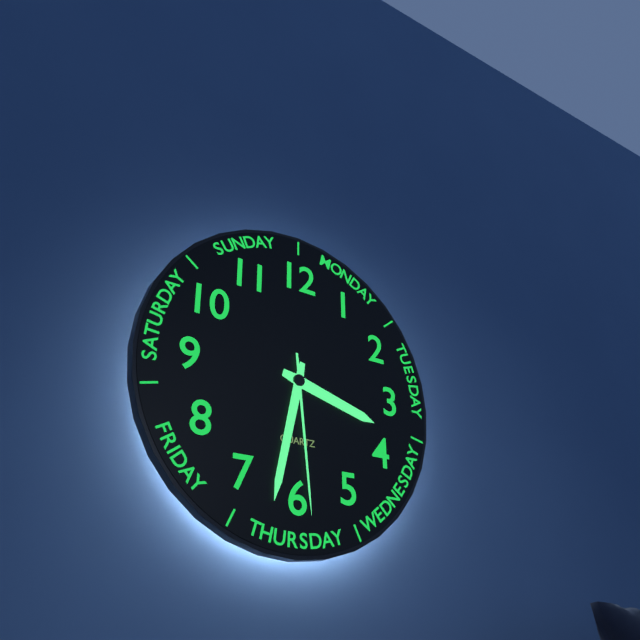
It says 3:32:29
